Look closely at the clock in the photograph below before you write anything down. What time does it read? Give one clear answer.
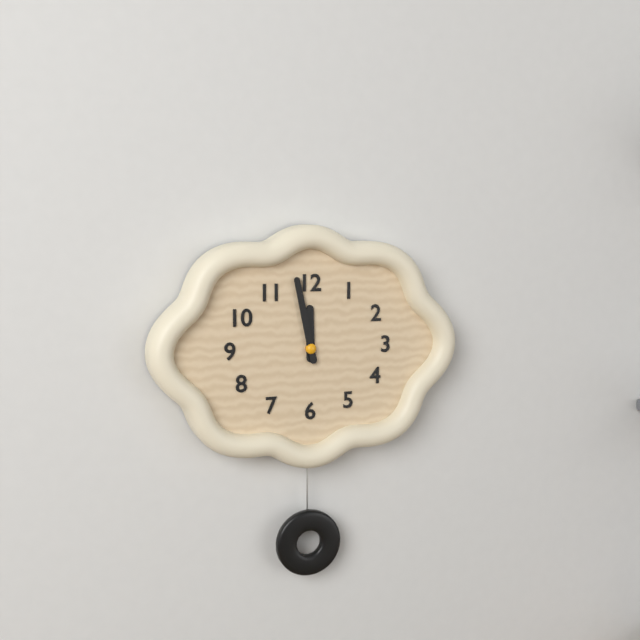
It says 11:58
